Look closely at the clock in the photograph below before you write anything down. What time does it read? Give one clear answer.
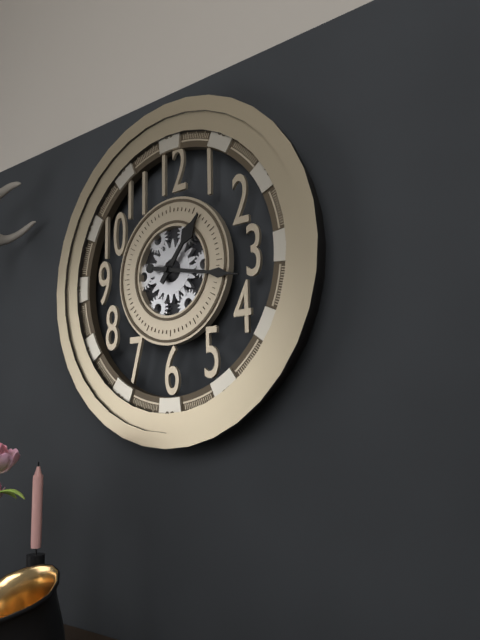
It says 1:17
